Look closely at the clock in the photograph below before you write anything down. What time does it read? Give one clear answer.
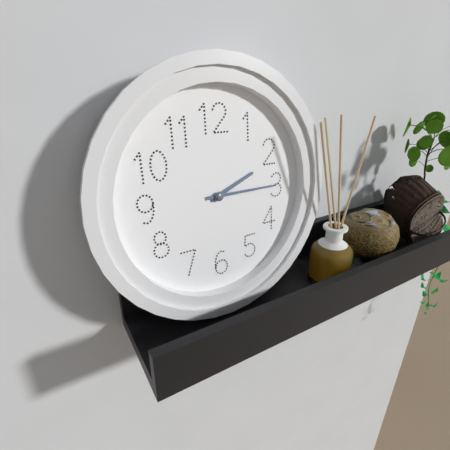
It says 2:15
